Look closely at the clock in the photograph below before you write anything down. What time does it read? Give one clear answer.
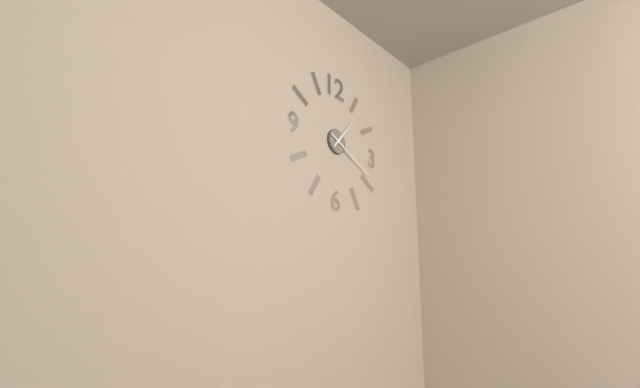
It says 1:19
